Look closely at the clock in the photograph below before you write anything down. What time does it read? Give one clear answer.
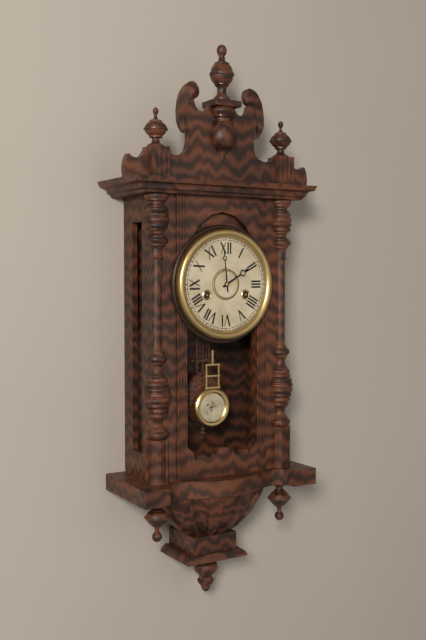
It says 1:59
